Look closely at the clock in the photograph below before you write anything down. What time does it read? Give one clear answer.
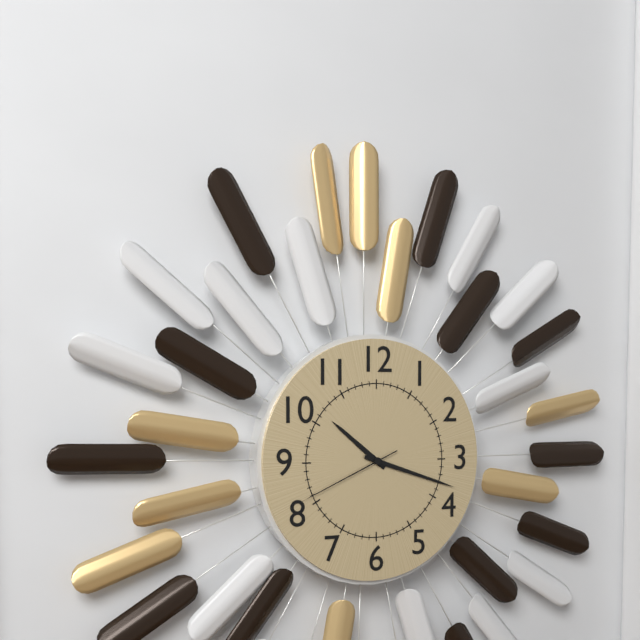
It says 10:18:41
